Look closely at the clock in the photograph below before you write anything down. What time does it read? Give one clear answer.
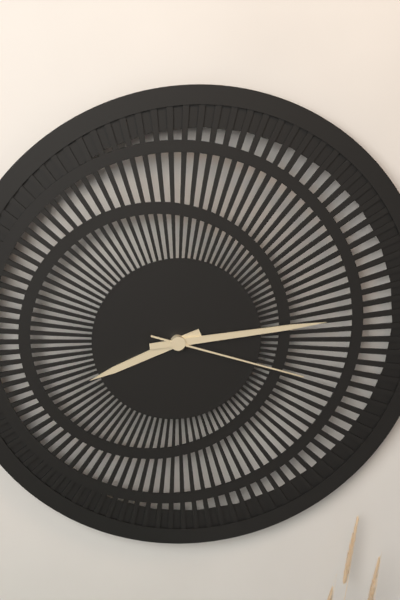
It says 8:14:18
